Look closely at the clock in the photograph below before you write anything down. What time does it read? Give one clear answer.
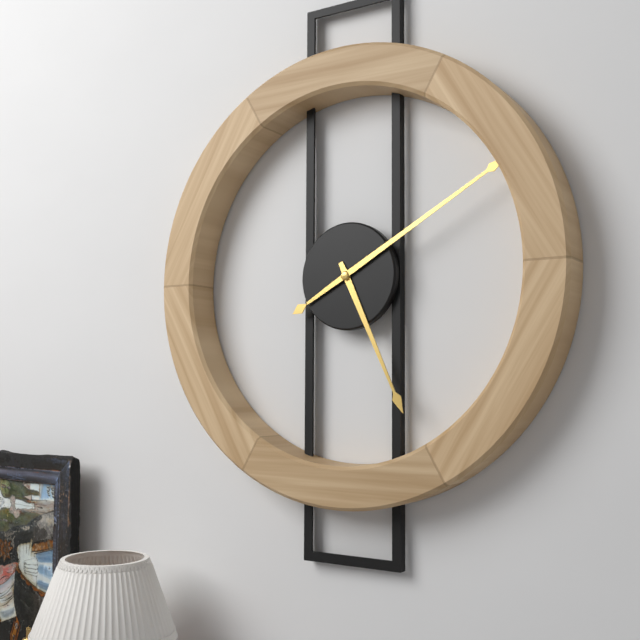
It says 5:10
